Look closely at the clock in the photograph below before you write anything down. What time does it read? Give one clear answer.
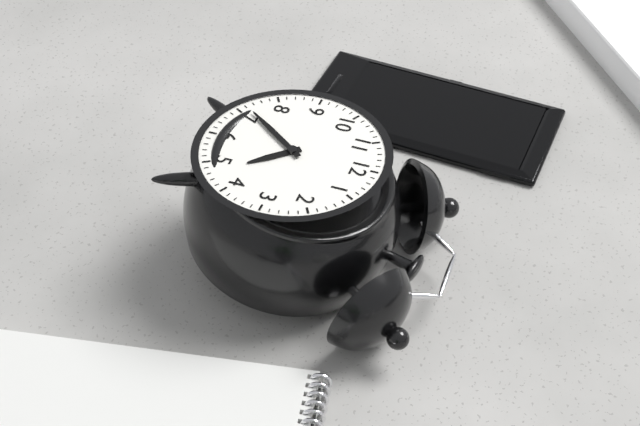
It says 4:36
